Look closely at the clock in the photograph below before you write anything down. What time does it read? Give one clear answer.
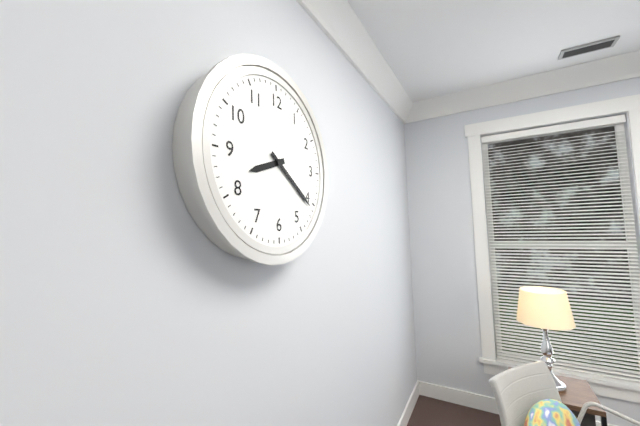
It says 8:21
